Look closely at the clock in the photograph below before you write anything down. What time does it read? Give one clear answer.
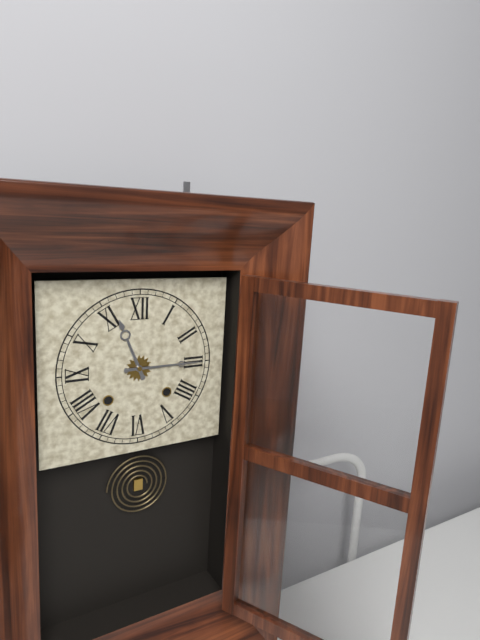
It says 11:15
